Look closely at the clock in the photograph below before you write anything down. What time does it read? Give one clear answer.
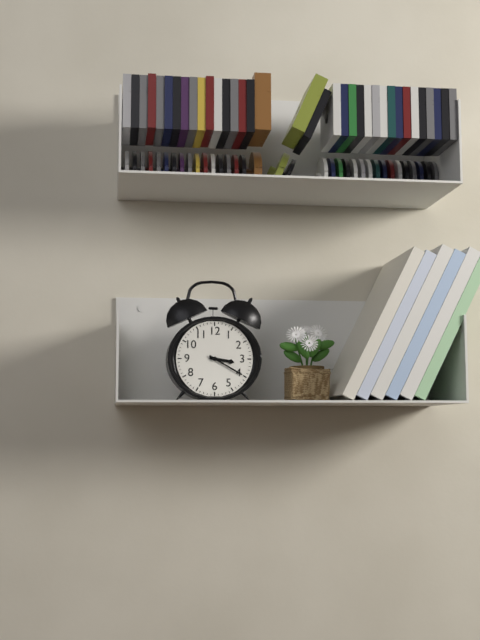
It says 3:20
